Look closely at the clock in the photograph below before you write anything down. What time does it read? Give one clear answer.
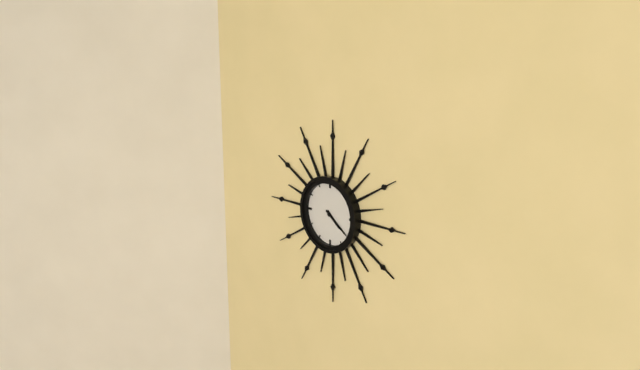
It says 4:21
